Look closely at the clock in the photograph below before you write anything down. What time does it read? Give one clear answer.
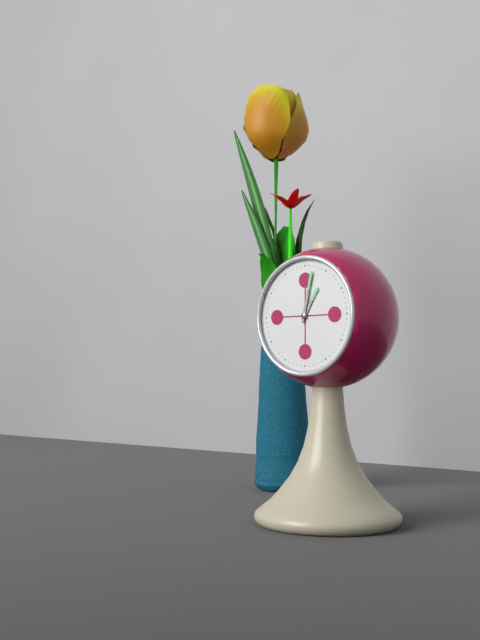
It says 1:02
